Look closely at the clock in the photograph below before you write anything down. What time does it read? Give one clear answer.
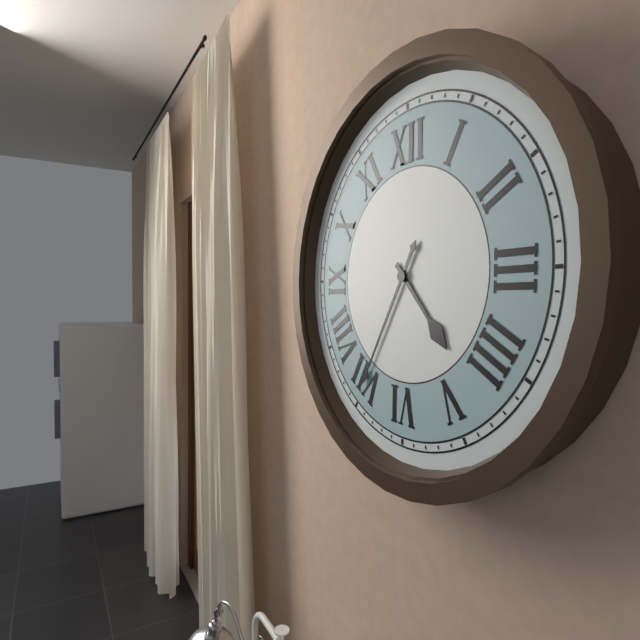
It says 4:35
